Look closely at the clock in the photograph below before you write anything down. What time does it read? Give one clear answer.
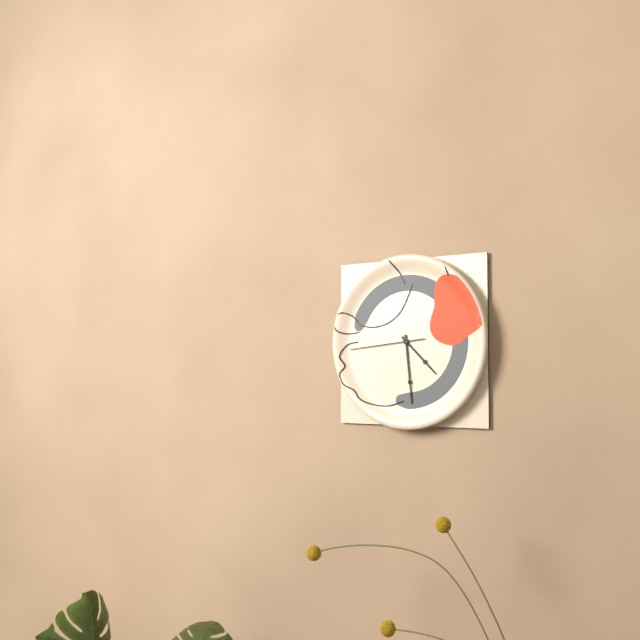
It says 4:29:44
